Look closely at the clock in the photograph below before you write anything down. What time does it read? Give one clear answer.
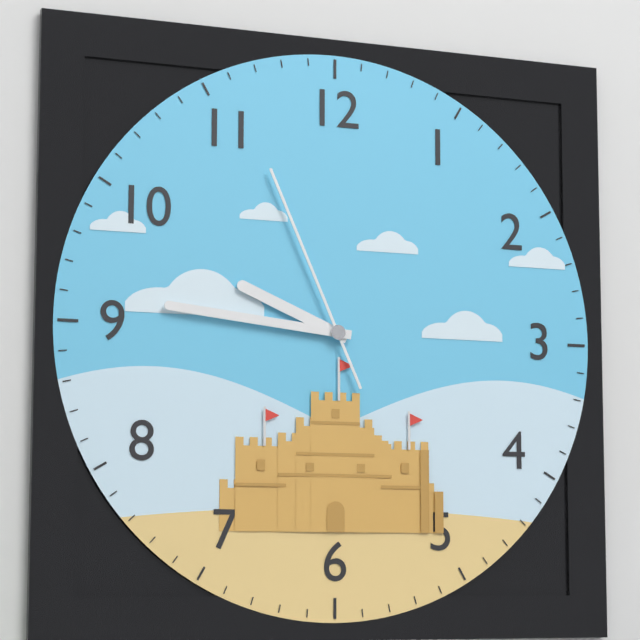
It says 9:46:56
